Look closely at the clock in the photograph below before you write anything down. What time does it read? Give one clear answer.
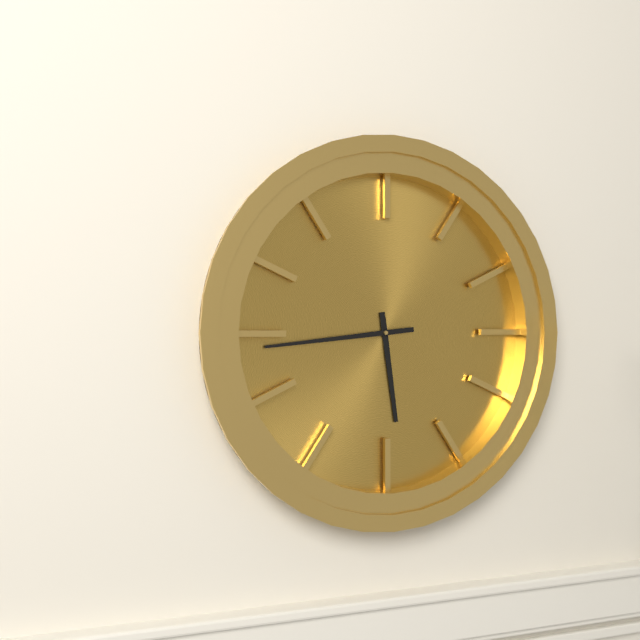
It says 5:44
